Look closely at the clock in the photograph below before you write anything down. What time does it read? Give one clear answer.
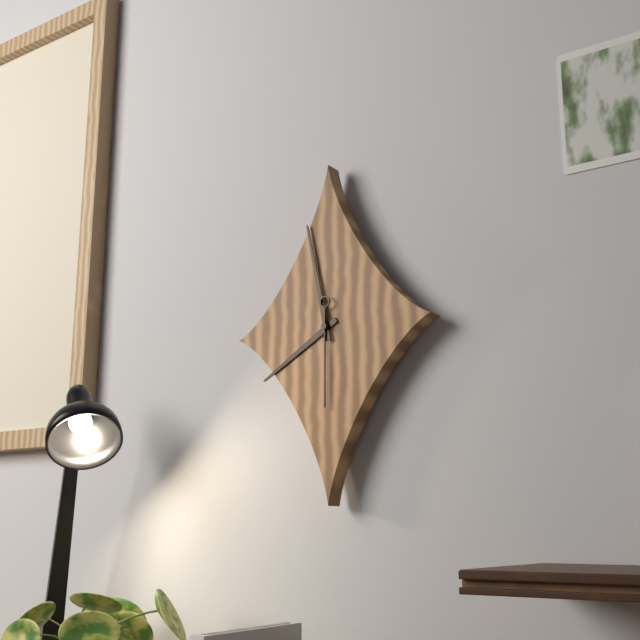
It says 7:58:30
